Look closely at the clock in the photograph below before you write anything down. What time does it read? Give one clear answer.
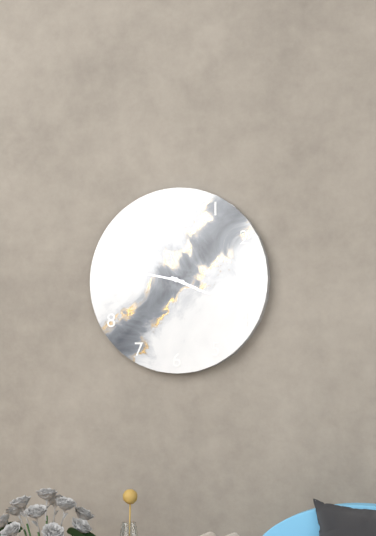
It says 3:47
